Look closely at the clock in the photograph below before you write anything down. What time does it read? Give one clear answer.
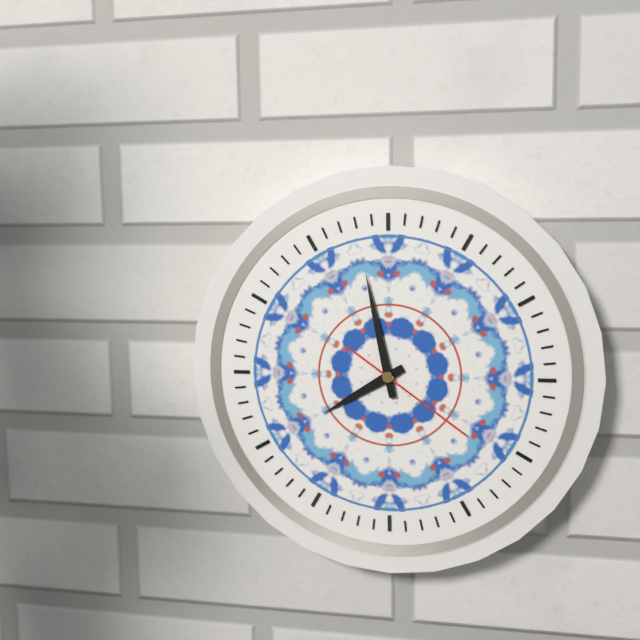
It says 7:58:21
